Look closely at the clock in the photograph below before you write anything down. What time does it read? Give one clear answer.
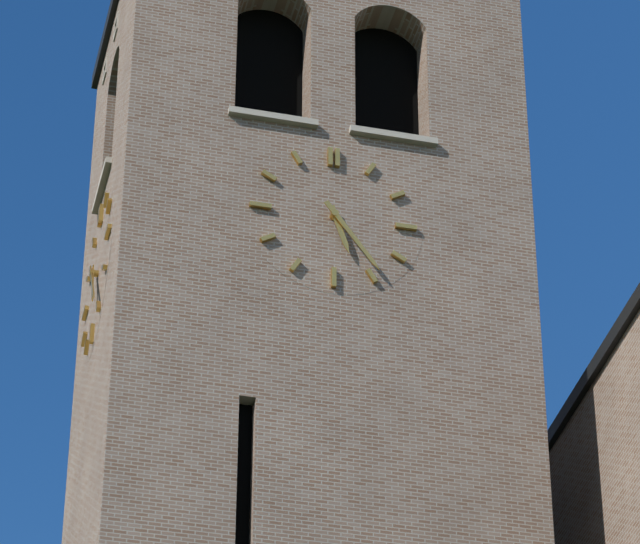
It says 5:24
